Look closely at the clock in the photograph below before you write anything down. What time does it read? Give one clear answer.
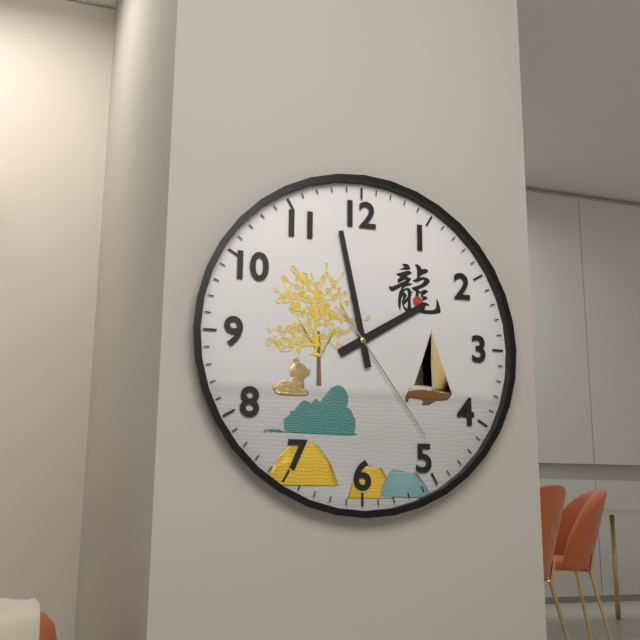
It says 1:58:24
